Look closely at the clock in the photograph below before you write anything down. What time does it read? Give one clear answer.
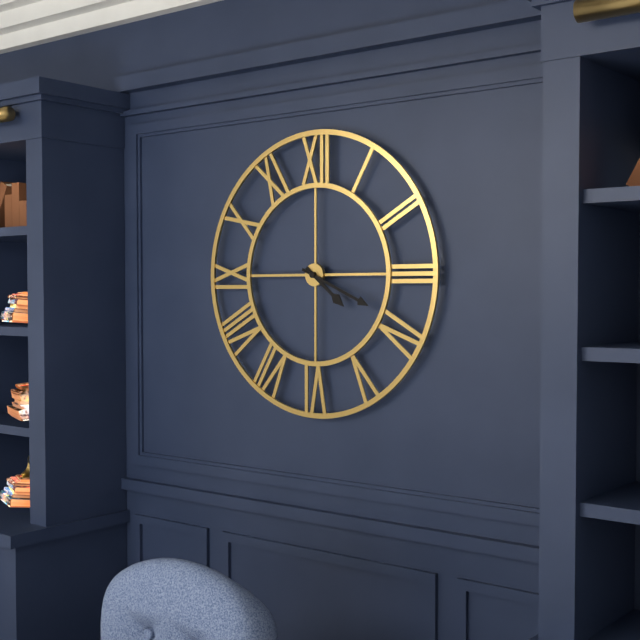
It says 4:19
